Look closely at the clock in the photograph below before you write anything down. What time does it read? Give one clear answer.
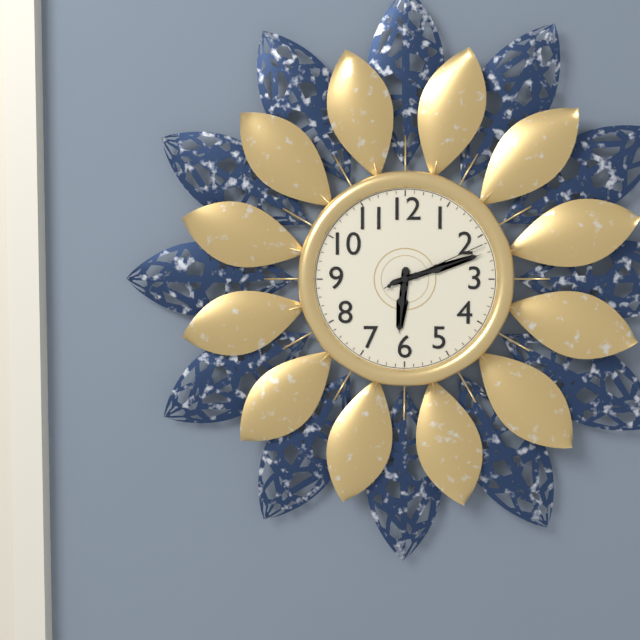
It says 6:12:11
